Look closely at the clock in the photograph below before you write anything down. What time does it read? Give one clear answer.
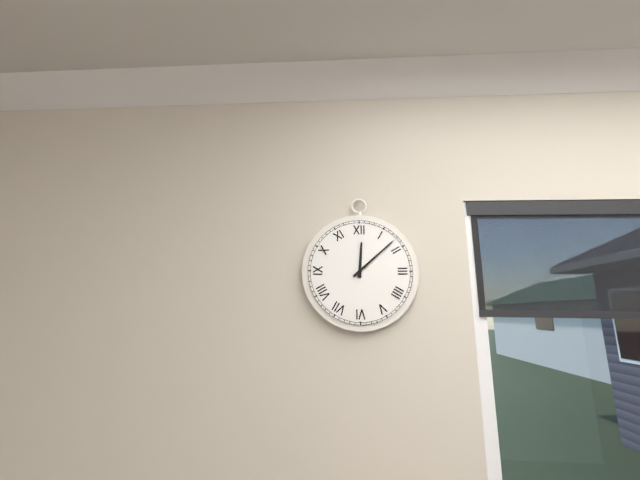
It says 12:08
